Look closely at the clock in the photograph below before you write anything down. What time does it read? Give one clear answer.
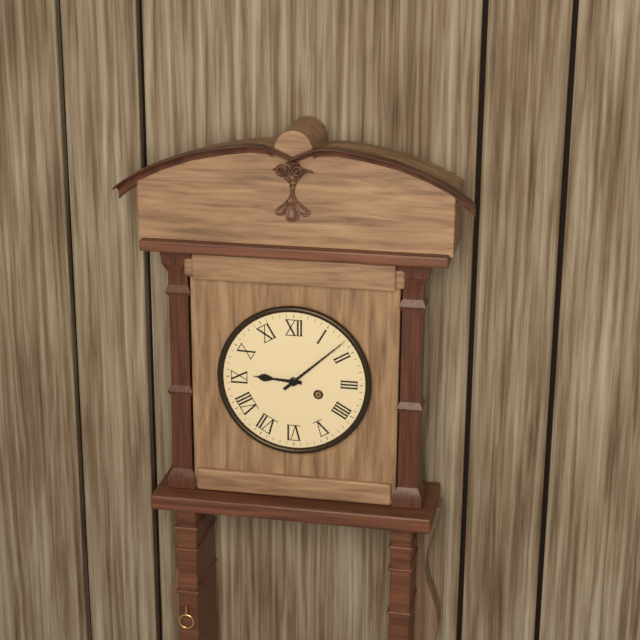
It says 9:08
